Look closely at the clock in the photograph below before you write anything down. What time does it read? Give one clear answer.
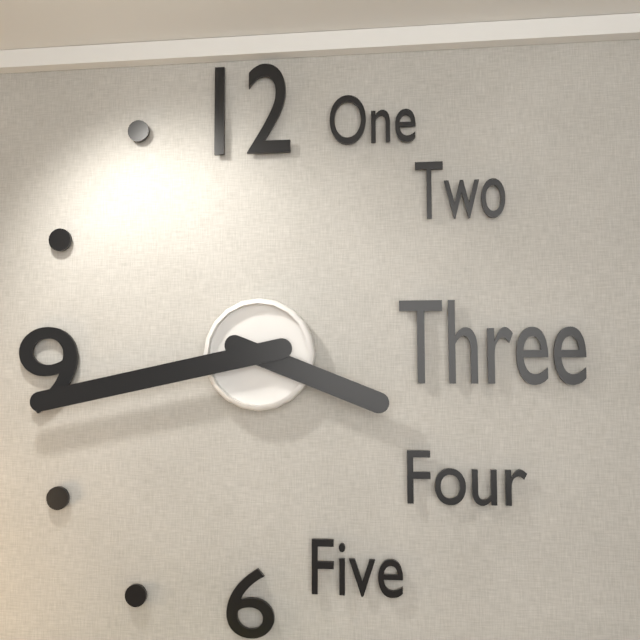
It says 3:43
